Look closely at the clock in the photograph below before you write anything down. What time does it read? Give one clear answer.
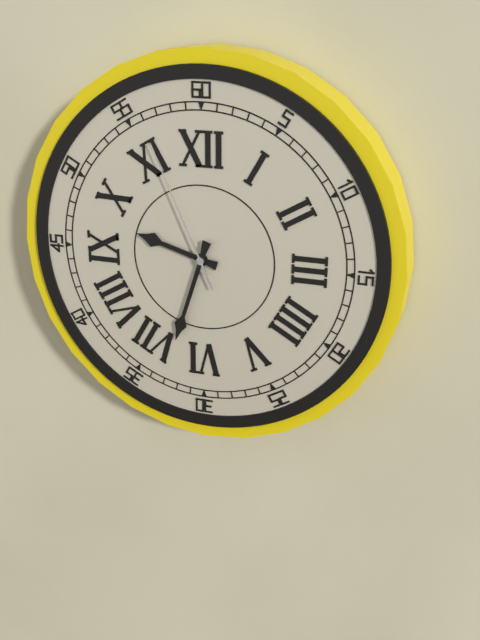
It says 9:33:56
